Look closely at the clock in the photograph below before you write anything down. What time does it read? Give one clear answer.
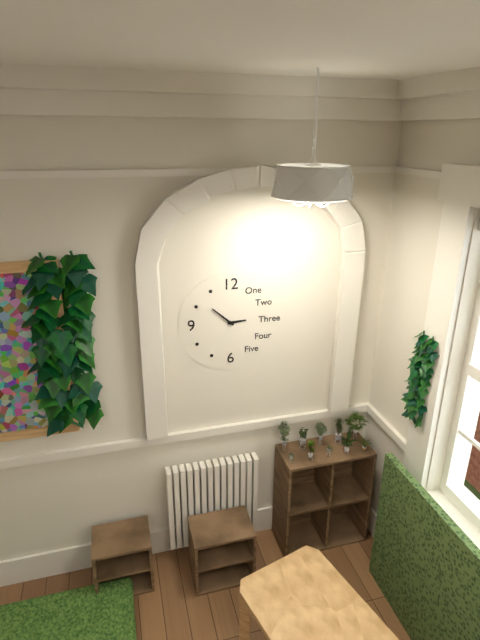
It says 2:52
